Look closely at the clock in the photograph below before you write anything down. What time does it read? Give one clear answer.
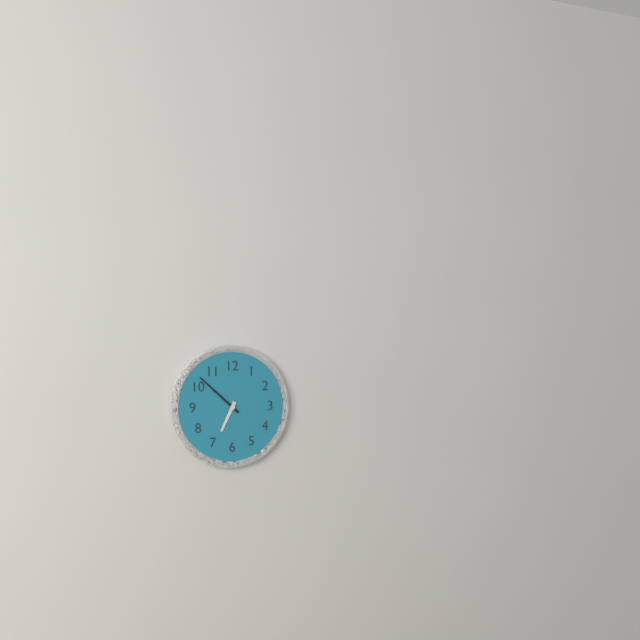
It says 6:52
